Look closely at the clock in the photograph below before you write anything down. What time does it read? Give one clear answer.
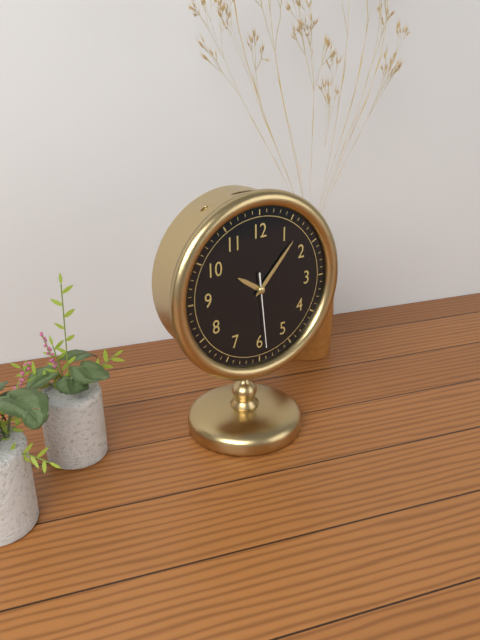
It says 10:07:29
